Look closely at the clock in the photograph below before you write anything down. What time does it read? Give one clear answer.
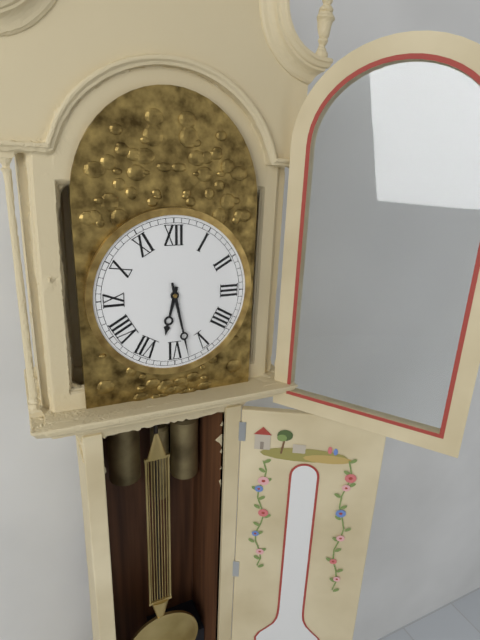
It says 6:28
